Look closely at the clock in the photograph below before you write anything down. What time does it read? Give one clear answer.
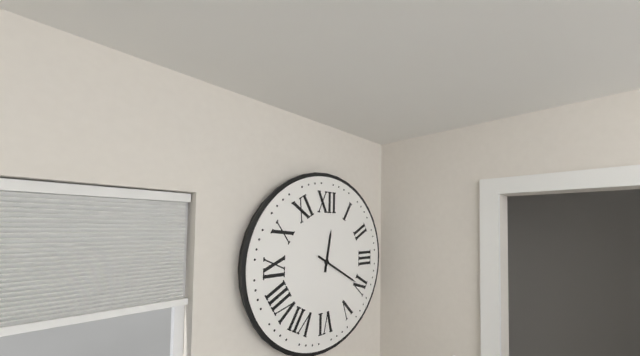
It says 12:20
